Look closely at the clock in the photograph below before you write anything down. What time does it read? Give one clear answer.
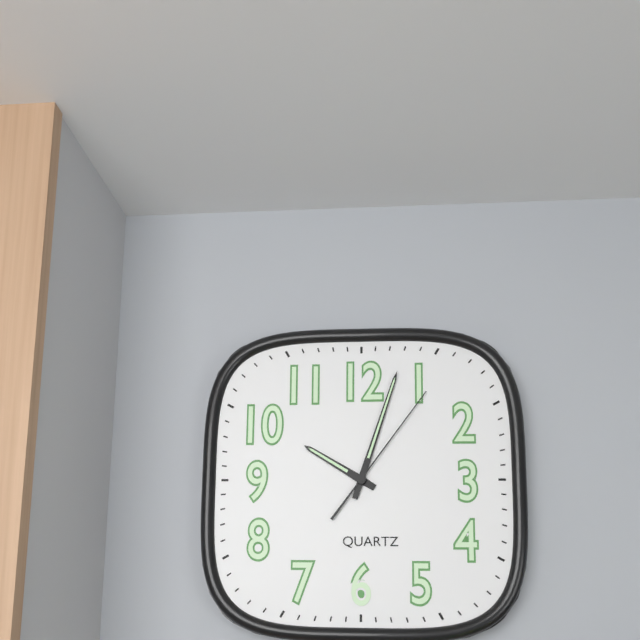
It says 10:03:06
